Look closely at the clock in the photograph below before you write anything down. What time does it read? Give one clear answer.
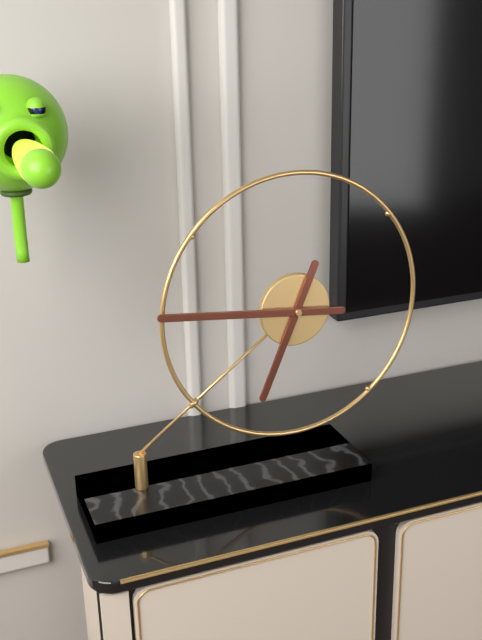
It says 6:46
